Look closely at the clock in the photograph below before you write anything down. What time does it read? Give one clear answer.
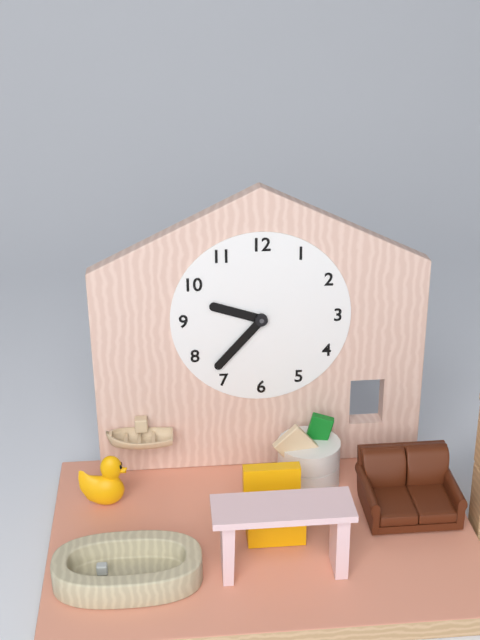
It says 9:37
